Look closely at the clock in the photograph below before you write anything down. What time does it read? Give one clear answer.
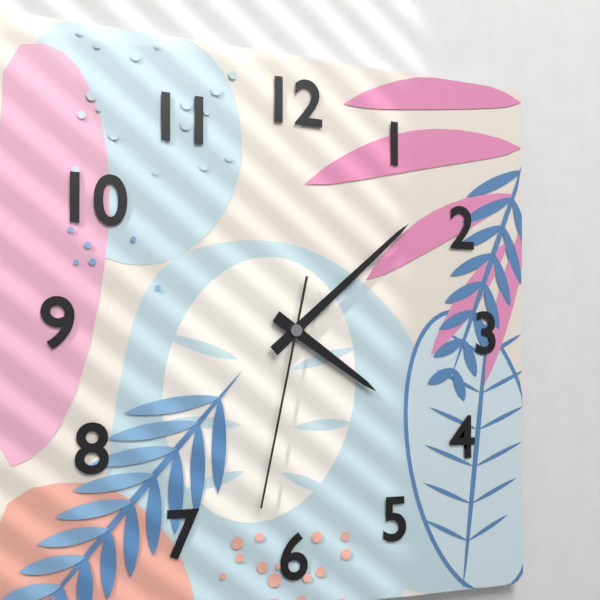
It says 4:08:32
